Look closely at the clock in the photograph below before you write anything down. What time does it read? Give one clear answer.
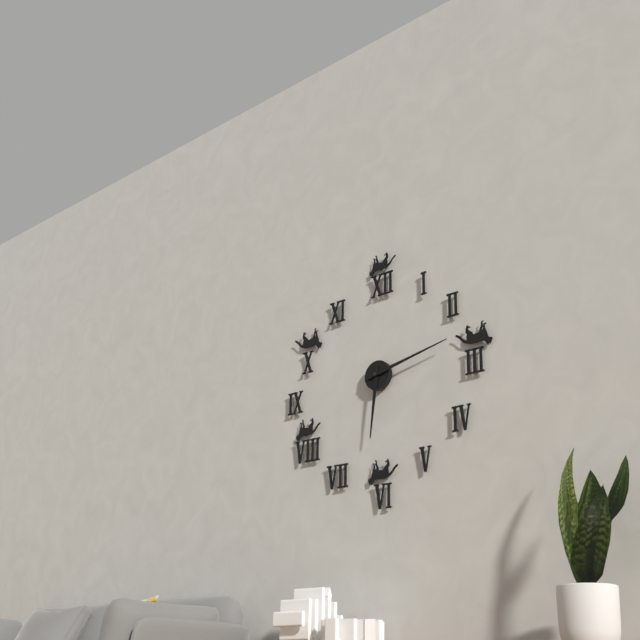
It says 6:13
